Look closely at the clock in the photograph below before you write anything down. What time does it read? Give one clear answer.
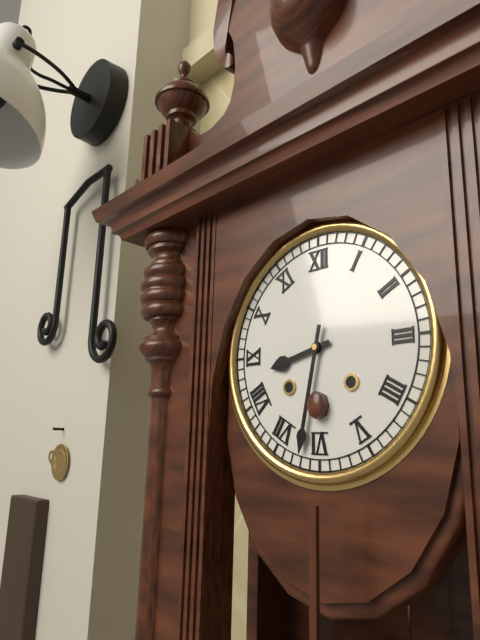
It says 8:32
